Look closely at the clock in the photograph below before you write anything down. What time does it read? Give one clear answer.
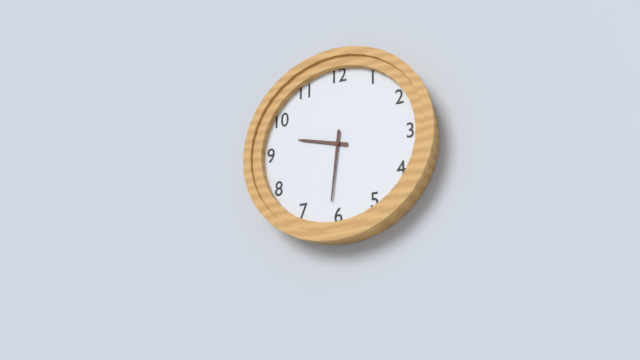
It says 9:31
